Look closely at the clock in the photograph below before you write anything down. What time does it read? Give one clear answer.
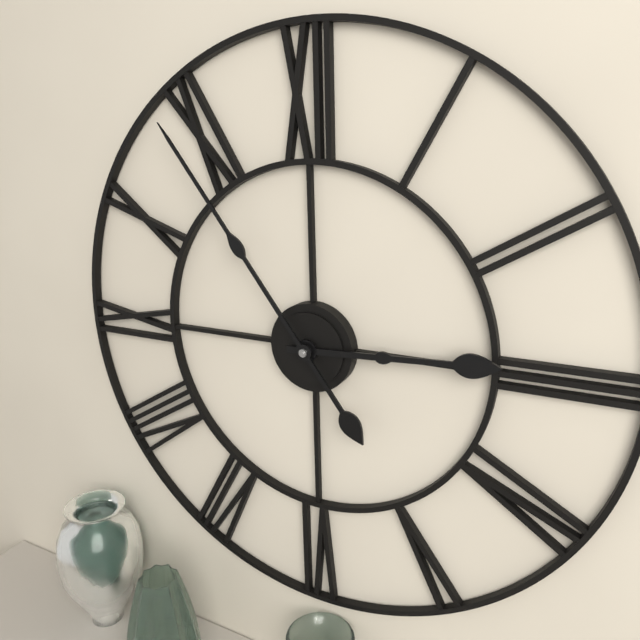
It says 2:54
